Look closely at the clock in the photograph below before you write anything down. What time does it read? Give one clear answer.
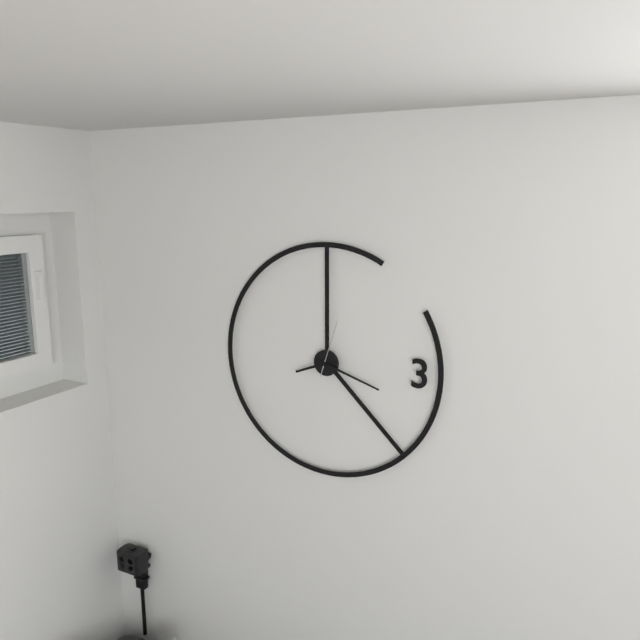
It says 8:18:03
